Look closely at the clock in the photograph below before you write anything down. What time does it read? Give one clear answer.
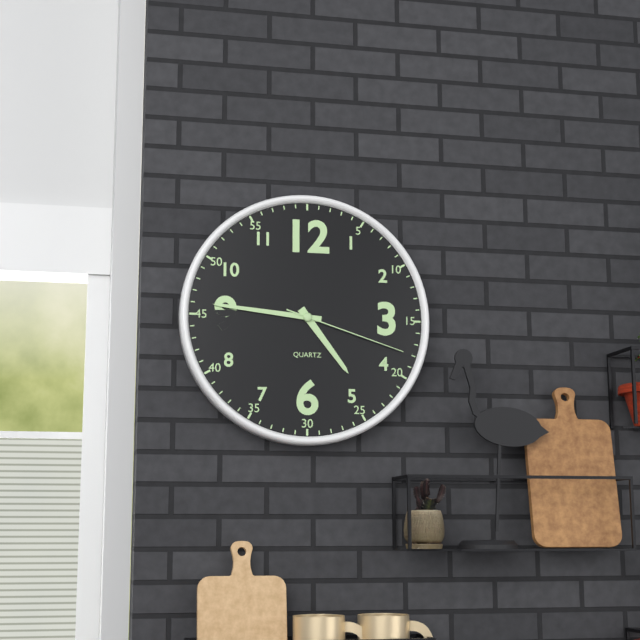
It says 4:46:18
